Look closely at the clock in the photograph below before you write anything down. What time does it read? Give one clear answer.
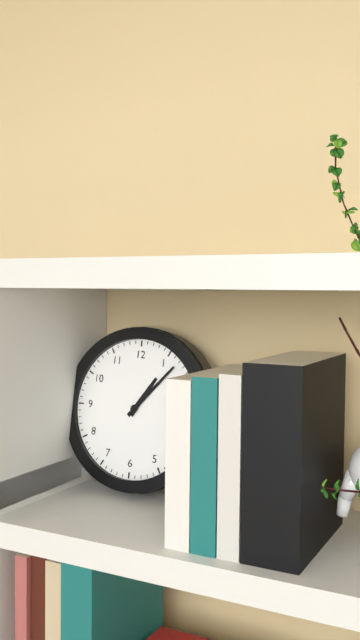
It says 1:07
